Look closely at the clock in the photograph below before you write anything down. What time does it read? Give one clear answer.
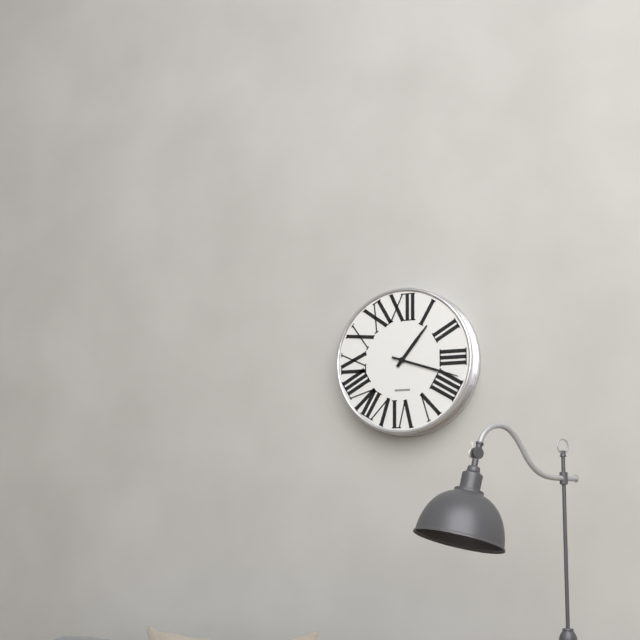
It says 1:18
